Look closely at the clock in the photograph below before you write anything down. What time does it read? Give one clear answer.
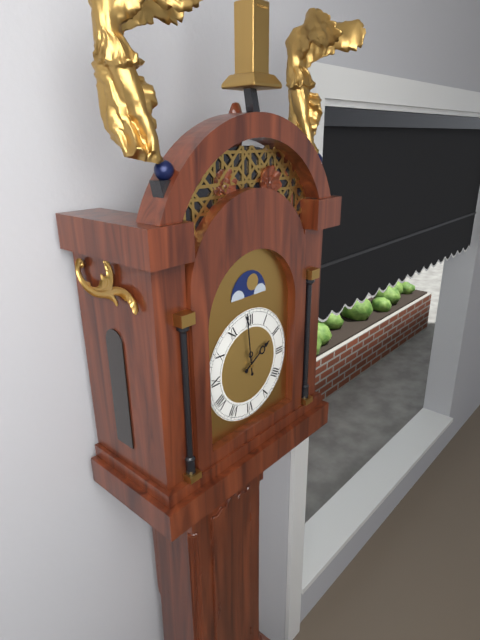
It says 1:59
